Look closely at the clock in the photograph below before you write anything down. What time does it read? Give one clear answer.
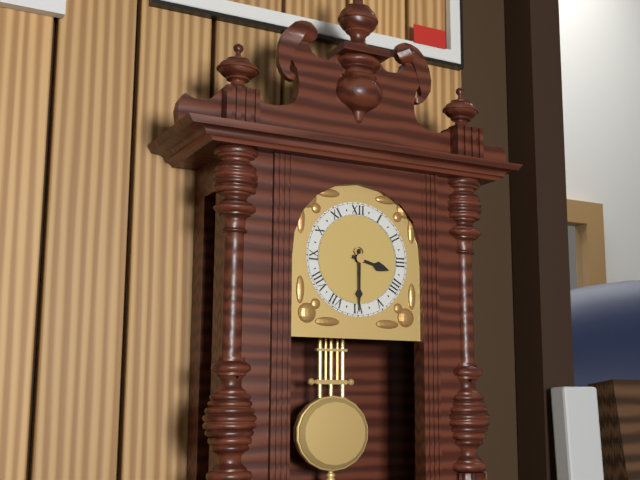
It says 3:30
